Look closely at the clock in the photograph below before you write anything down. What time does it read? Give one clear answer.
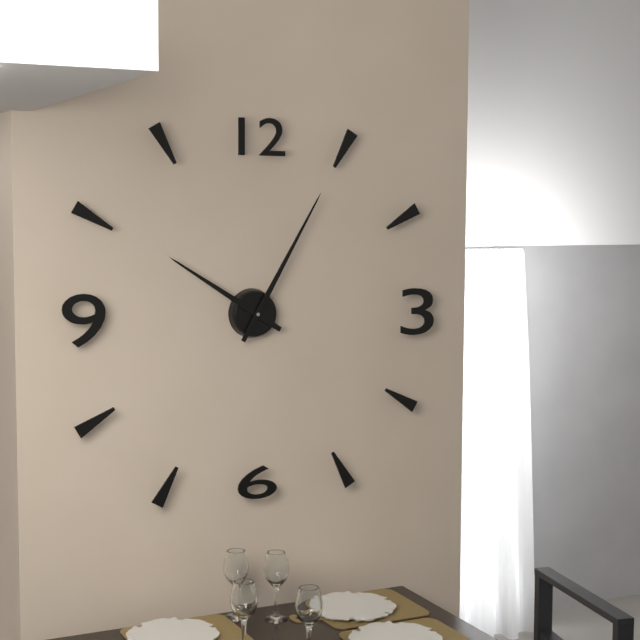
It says 10:05
